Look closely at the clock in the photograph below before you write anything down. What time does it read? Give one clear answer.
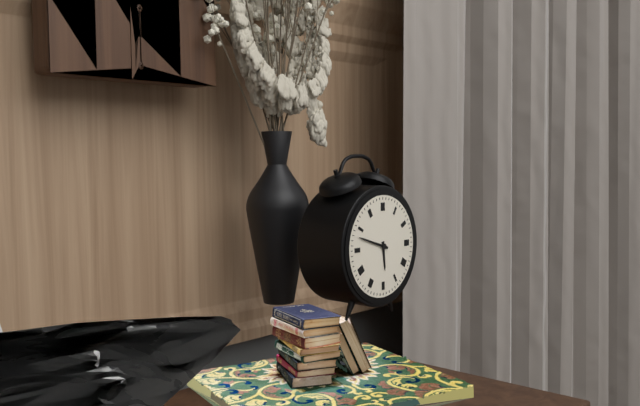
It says 5:48
